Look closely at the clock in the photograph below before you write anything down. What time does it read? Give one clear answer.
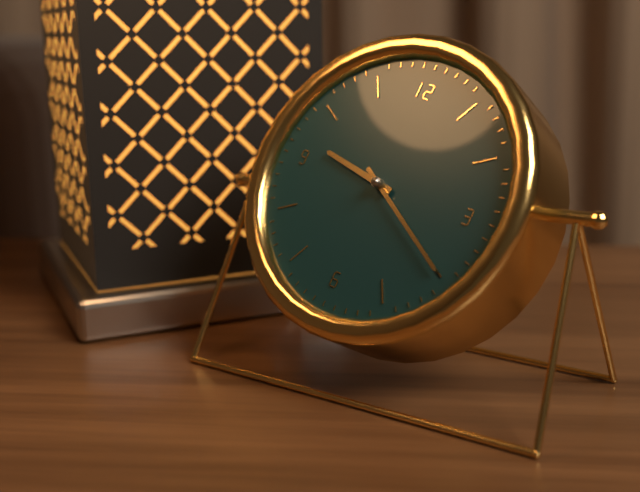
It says 9:20
